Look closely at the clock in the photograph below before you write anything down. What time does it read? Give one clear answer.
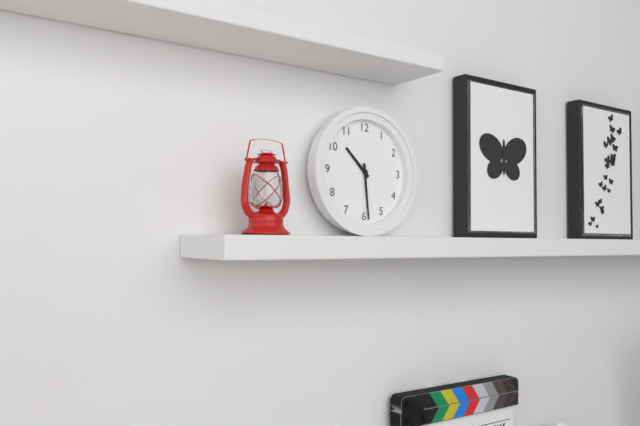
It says 10:29
